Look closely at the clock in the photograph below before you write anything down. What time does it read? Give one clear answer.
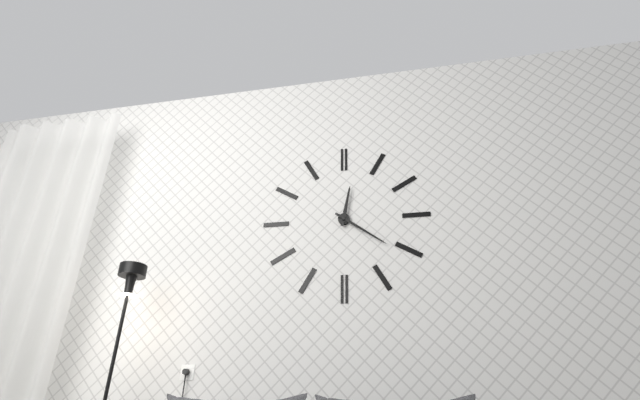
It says 12:21
